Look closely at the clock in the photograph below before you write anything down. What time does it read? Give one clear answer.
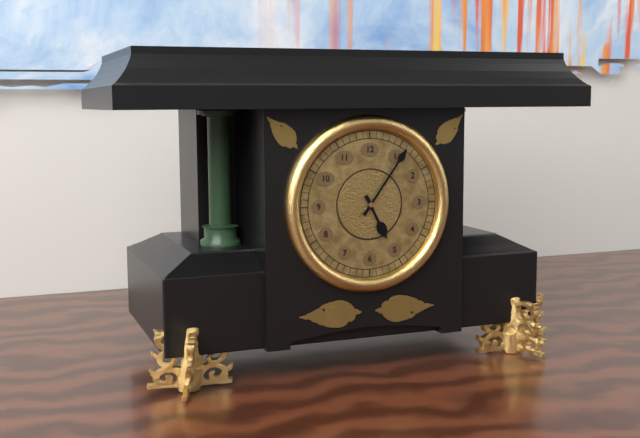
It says 5:06
